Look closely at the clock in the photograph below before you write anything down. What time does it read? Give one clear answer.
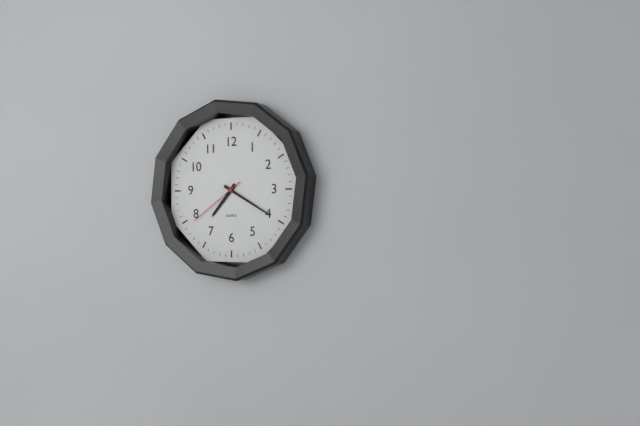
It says 7:20:39
